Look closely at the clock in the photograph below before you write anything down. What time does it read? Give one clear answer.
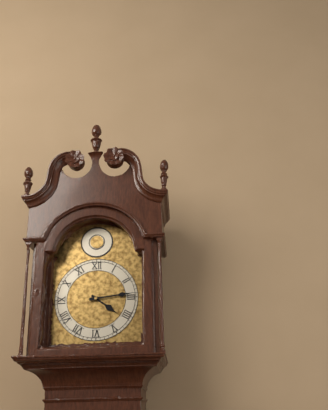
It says 4:14
